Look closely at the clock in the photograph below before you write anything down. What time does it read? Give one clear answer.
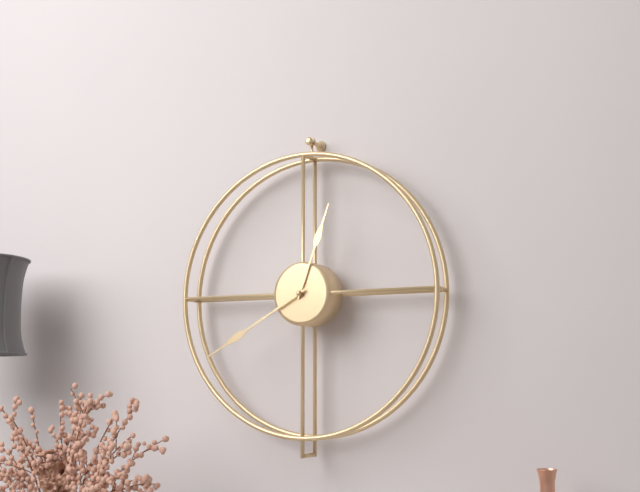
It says 12:40
